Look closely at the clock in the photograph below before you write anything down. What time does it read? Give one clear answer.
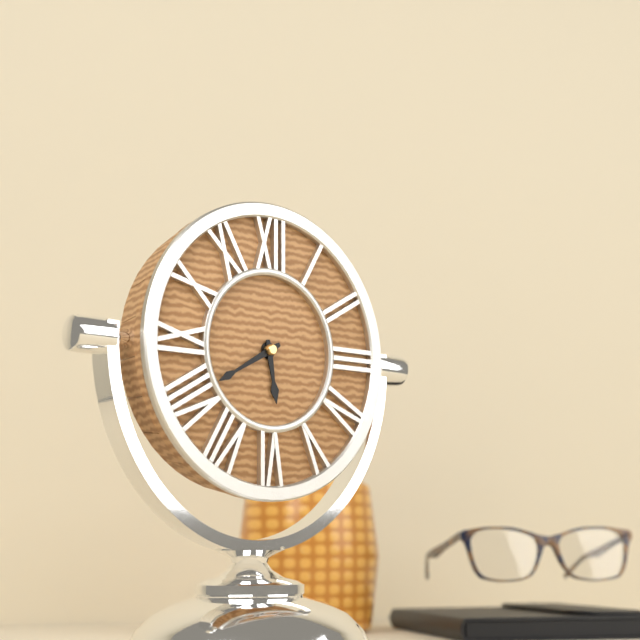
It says 5:40
